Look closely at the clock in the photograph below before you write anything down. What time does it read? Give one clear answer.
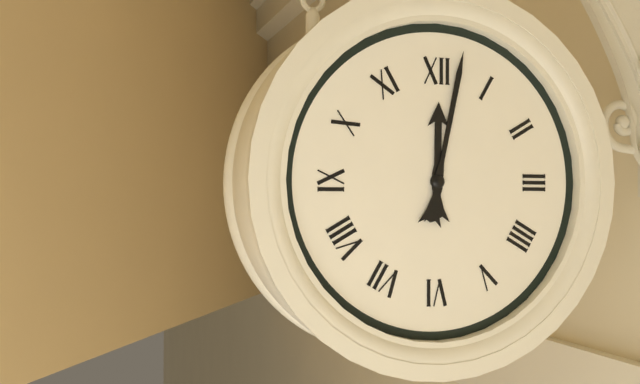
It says 12:02
